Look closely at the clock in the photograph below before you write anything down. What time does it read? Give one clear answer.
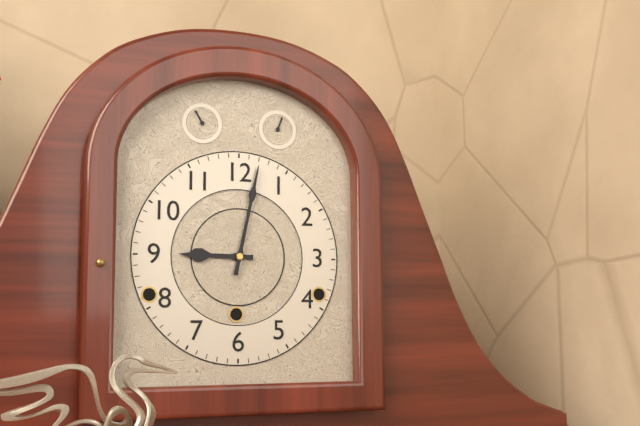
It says 9:02
